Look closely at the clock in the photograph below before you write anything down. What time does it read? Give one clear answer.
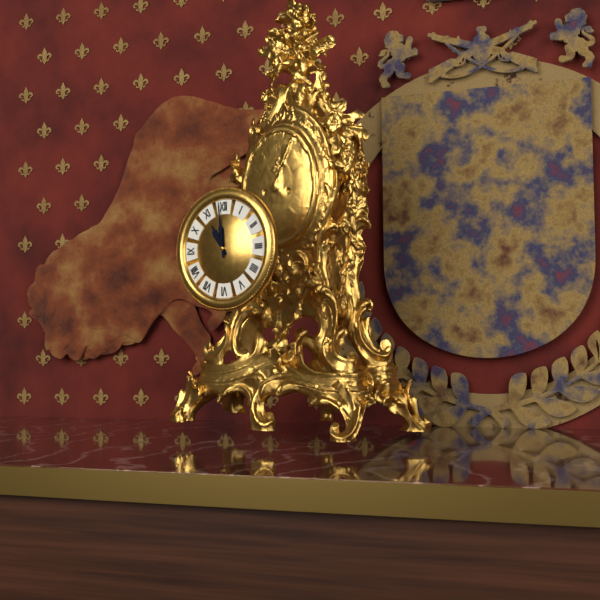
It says 10:59
